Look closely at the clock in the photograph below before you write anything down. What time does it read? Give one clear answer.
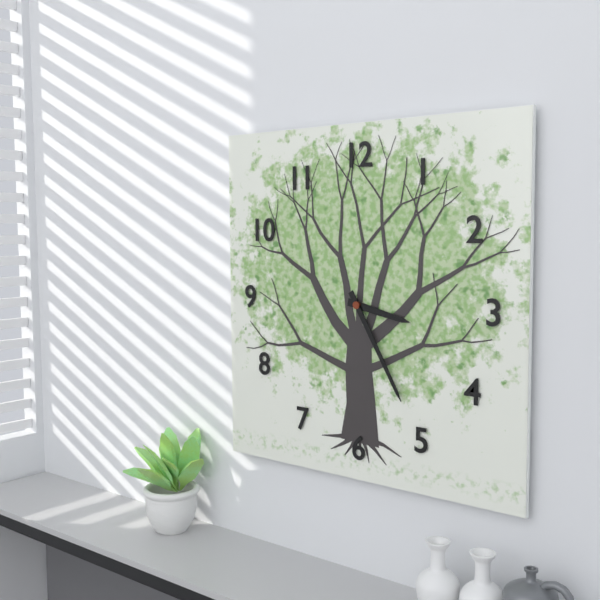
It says 3:25
